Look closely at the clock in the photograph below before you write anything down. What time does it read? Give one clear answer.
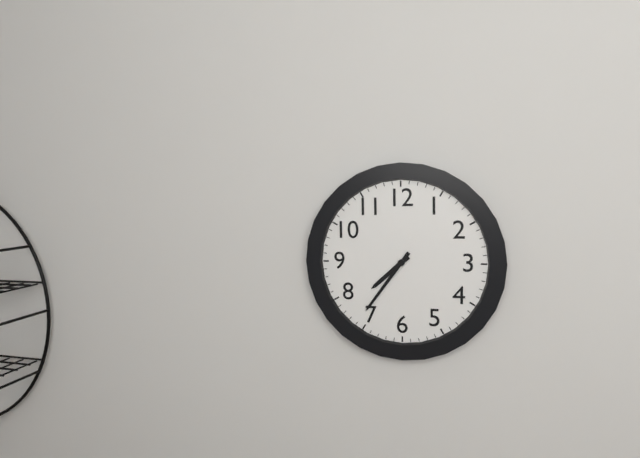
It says 7:36
